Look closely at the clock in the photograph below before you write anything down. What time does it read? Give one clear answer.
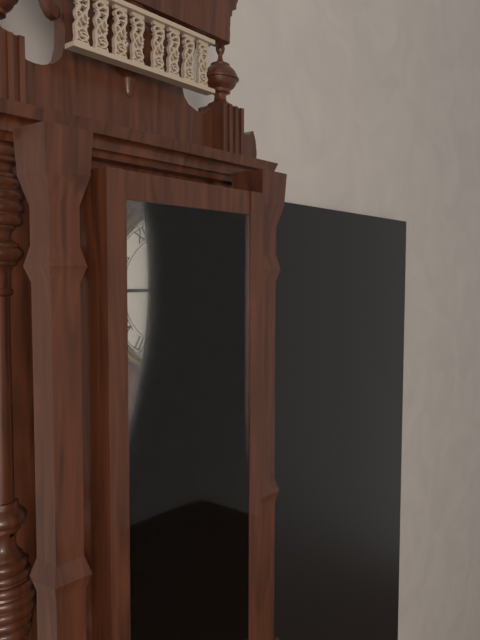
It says 1:45
